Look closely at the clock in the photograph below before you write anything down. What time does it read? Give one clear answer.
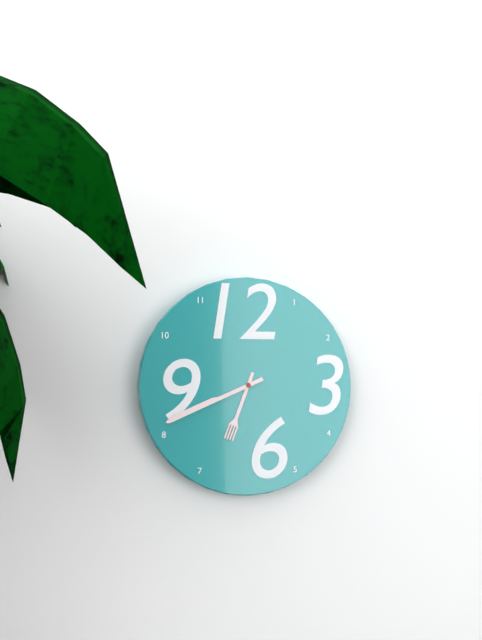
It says 6:41
